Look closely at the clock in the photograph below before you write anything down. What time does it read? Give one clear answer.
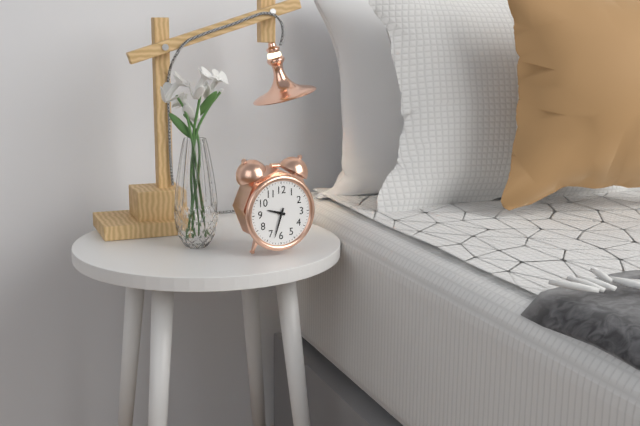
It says 9:33
